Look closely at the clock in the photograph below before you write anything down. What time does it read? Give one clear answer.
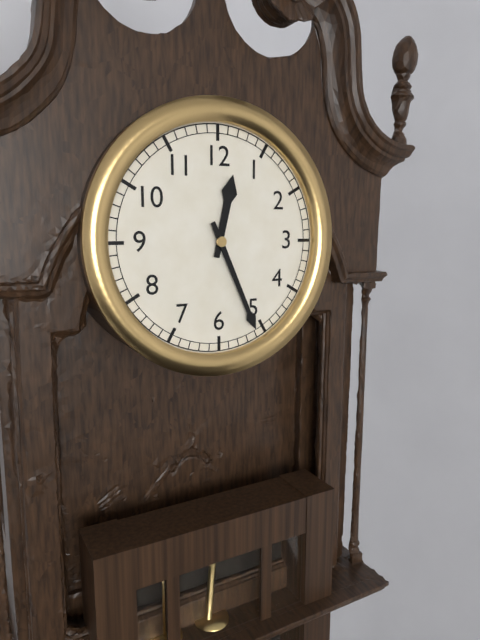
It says 12:26
